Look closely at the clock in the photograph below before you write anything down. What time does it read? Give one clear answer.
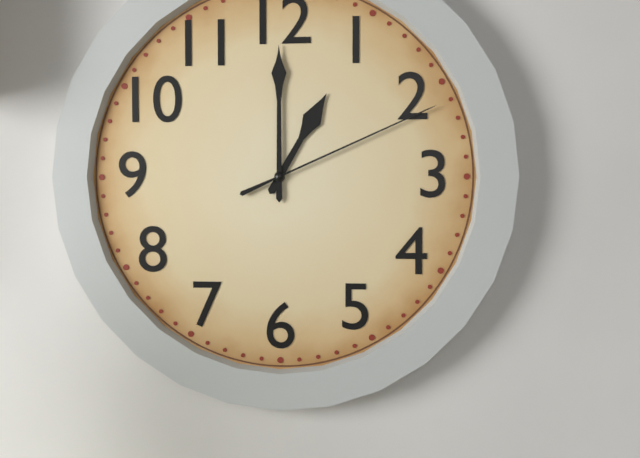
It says 1:00:11
